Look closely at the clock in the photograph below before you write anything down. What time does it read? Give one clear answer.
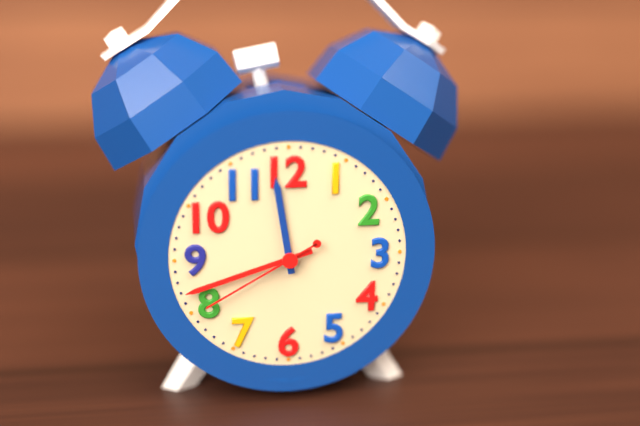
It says 11:42:40
